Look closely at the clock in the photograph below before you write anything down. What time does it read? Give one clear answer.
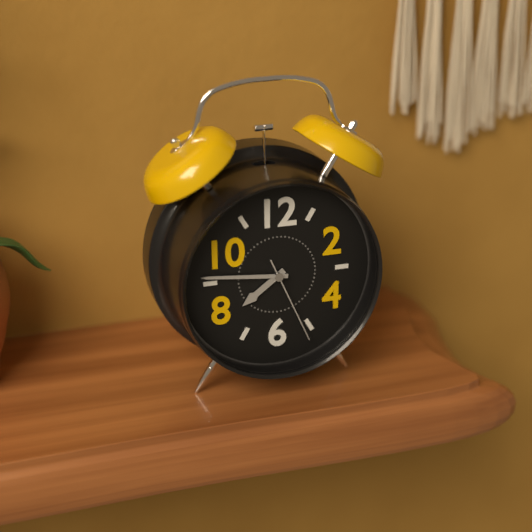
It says 7:46:26
